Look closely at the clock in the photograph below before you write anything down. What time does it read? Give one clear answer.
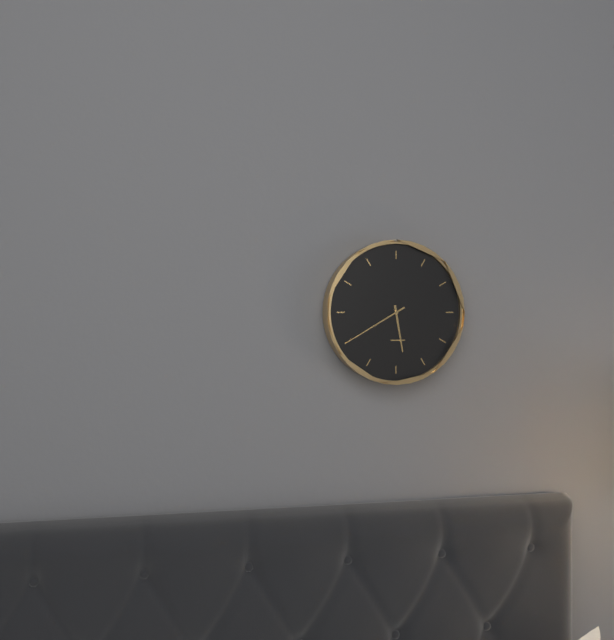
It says 5:40
